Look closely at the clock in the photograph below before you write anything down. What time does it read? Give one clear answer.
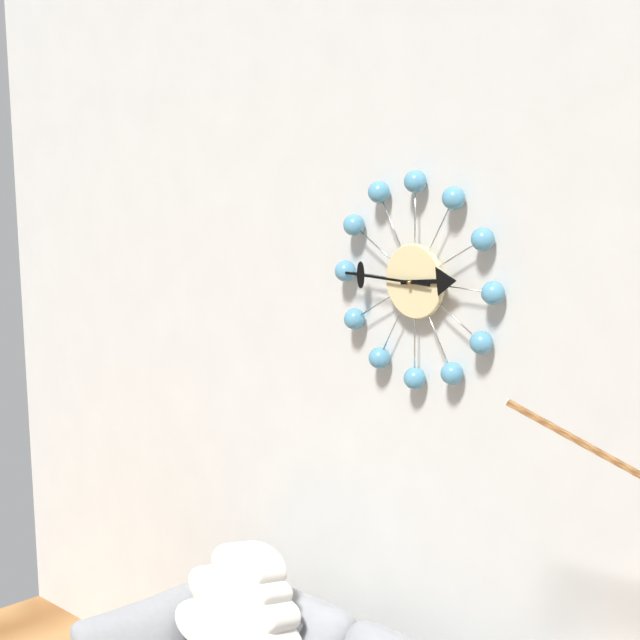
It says 2:45
